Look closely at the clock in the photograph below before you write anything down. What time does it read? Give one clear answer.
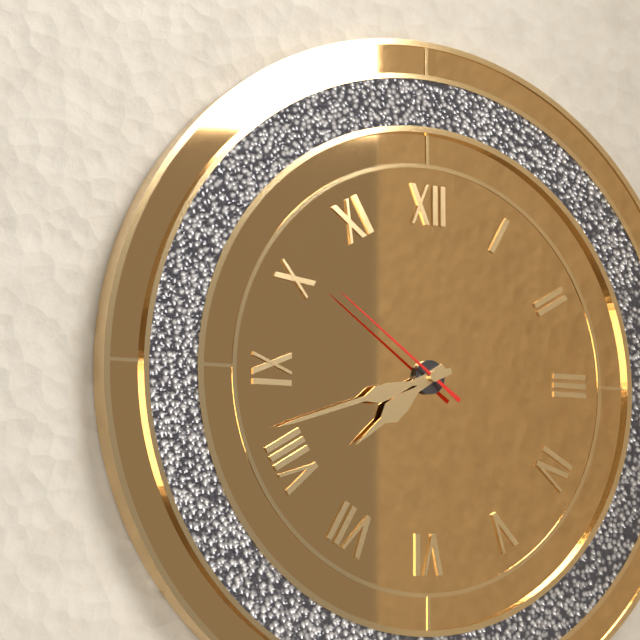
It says 7:42:51
